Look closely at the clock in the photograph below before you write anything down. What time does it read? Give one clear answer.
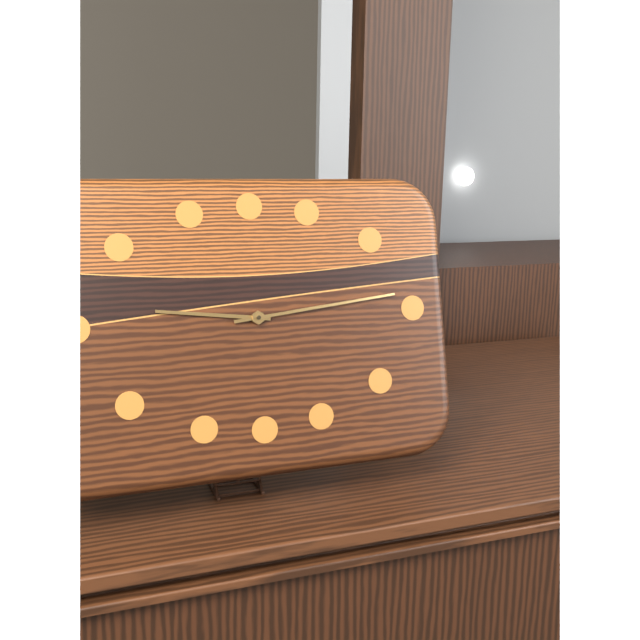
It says 9:14
